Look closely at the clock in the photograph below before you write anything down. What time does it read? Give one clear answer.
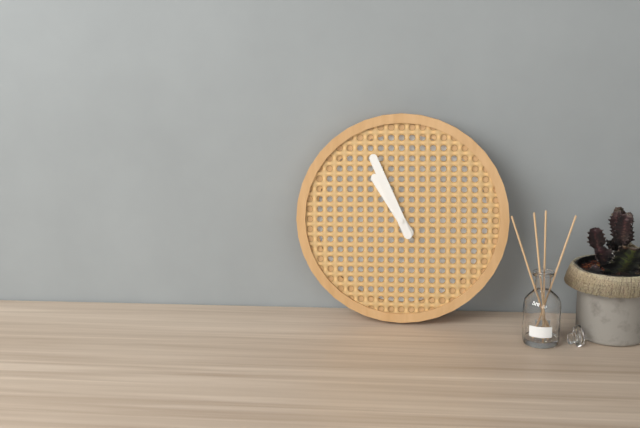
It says 10:56
